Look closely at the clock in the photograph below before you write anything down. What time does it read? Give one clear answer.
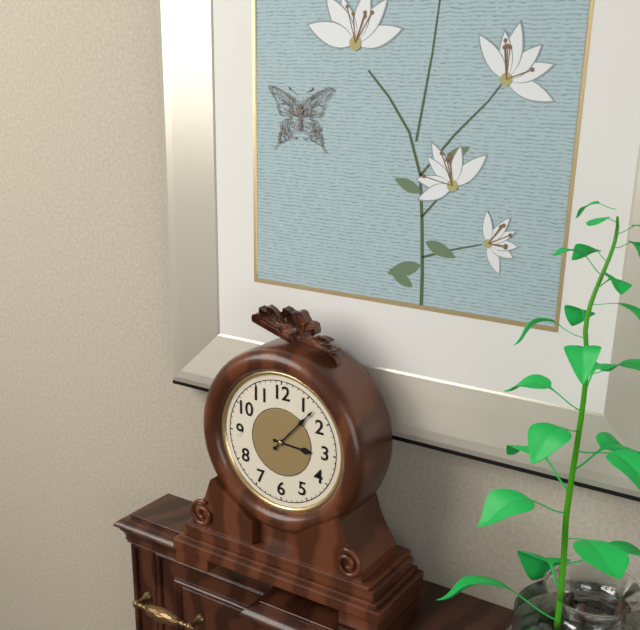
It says 3:07
